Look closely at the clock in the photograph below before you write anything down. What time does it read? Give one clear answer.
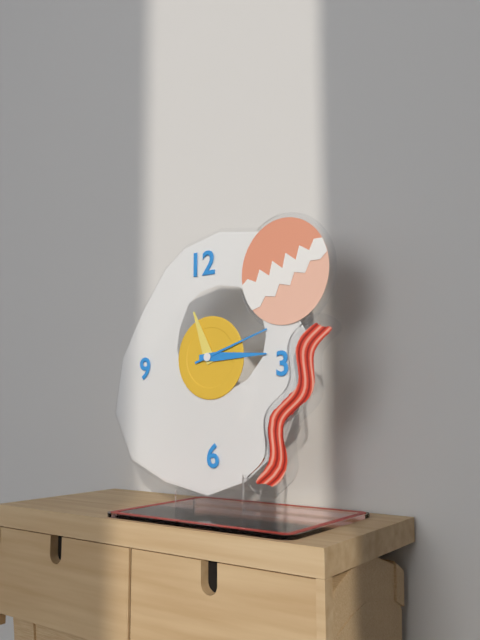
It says 11:15:12
